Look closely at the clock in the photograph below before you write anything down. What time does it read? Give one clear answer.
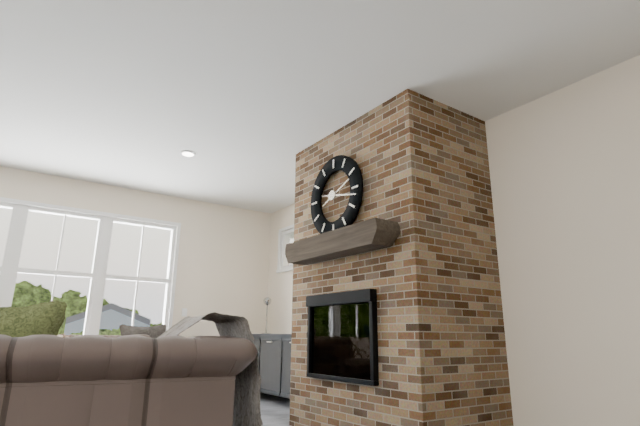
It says 2:17
